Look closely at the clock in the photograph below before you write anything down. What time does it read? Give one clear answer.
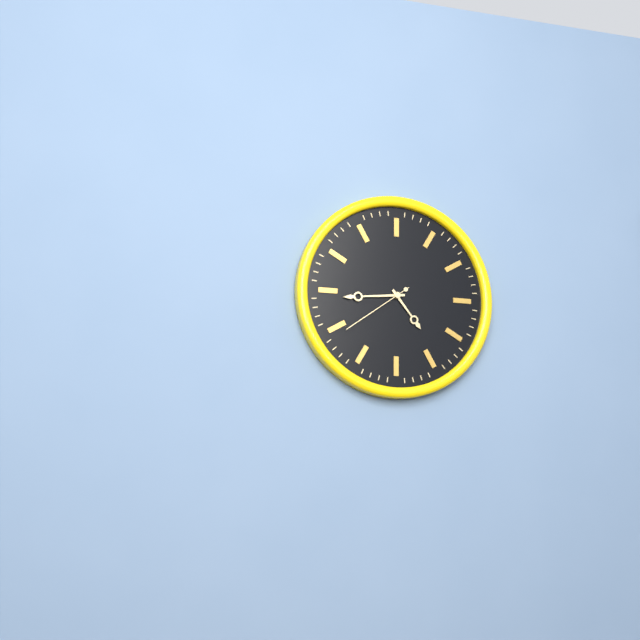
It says 4:44:39
